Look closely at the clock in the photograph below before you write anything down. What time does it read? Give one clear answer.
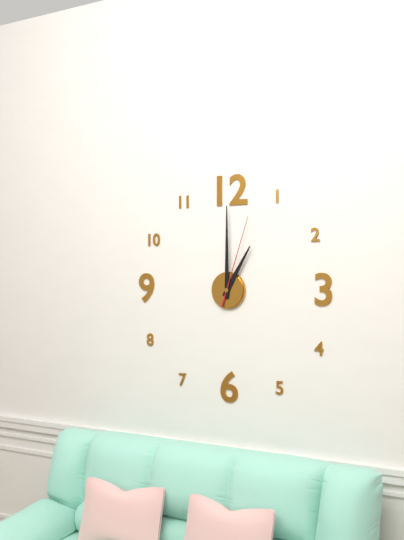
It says 1:00:03
